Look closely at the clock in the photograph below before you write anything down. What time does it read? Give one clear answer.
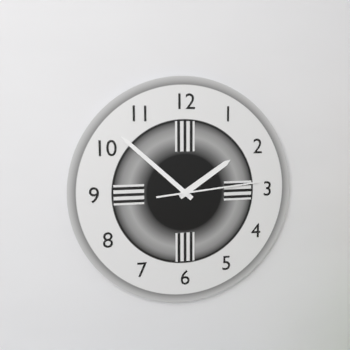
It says 1:52:14
